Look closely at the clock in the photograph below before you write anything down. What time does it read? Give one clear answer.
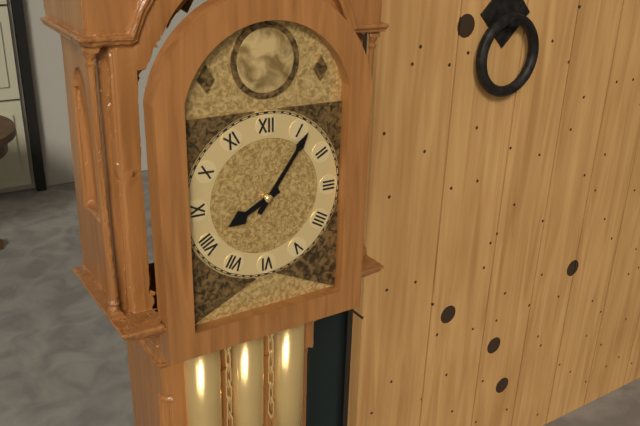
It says 8:06
